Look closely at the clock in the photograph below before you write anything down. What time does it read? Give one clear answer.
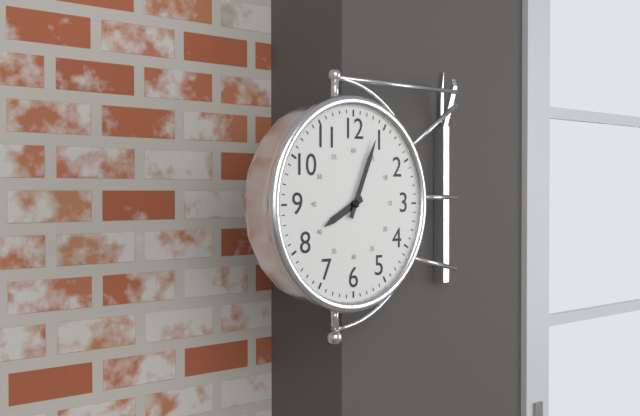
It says 8:04
